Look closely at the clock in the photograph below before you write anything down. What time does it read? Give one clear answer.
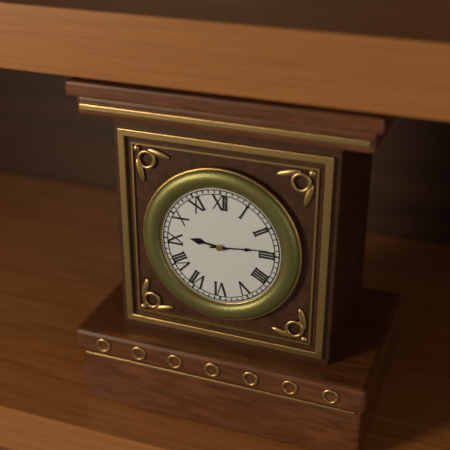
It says 9:14
